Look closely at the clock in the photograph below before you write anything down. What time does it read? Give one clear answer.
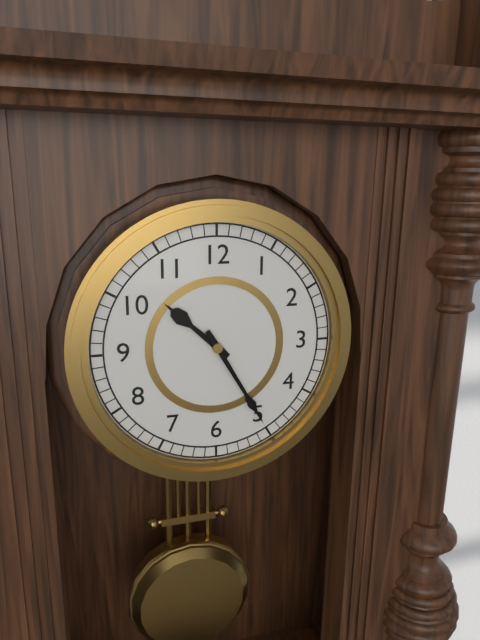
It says 10:25
